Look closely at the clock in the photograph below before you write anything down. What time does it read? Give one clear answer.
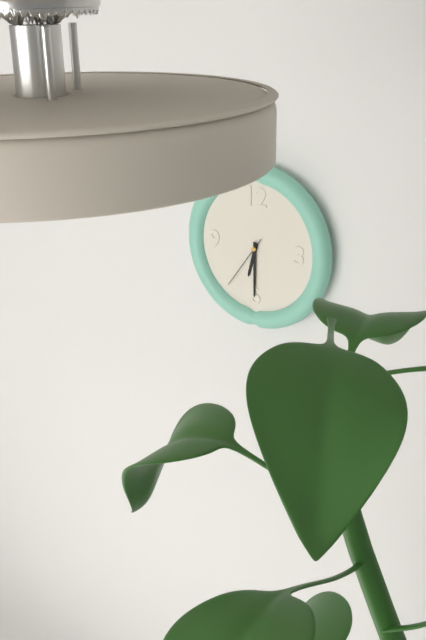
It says 6:30:36
